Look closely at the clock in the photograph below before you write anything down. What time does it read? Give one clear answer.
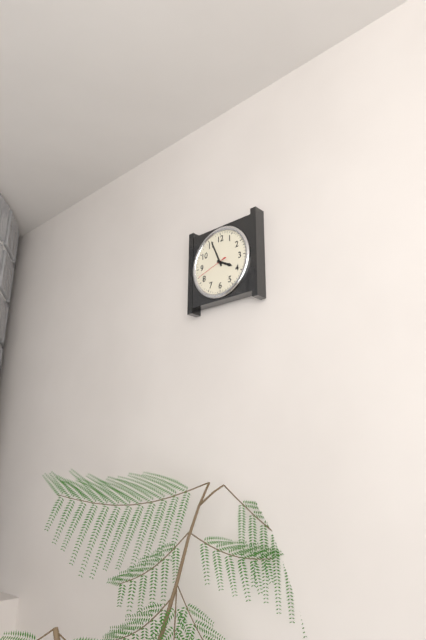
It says 3:56
